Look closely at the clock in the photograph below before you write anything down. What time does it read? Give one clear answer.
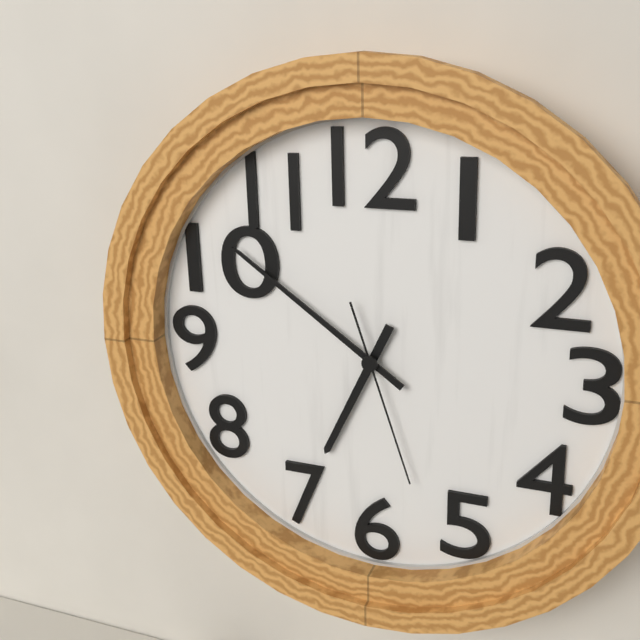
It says 6:51:27
